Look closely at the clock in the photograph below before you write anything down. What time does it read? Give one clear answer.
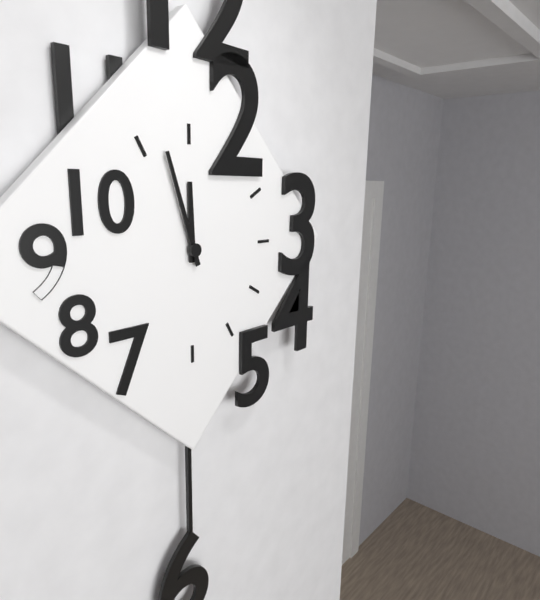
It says 11:57
